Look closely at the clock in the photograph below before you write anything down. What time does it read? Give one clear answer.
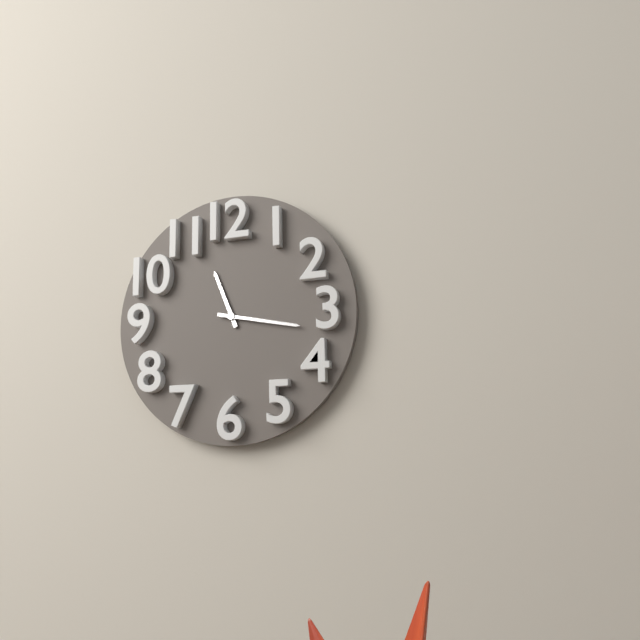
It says 11:17
